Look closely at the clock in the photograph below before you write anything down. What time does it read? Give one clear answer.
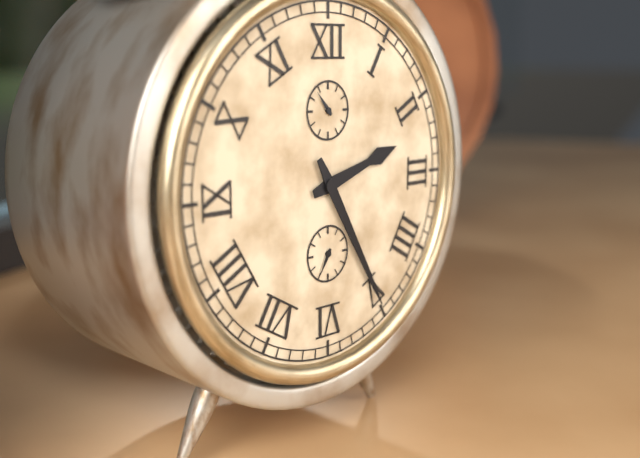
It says 2:25
